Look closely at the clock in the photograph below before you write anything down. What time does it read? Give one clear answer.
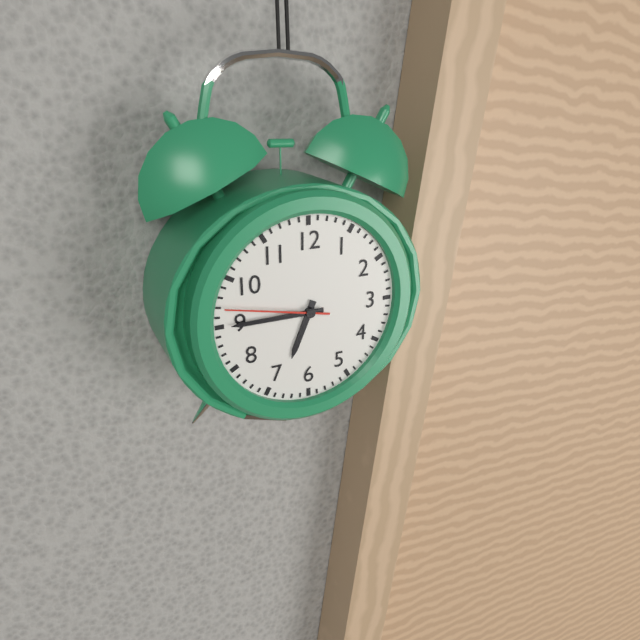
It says 6:45:47
